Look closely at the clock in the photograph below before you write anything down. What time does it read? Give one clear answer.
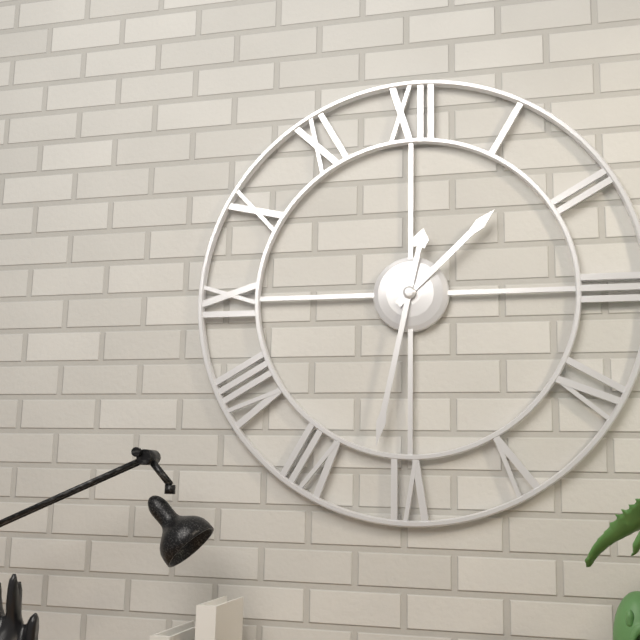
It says 1:32
